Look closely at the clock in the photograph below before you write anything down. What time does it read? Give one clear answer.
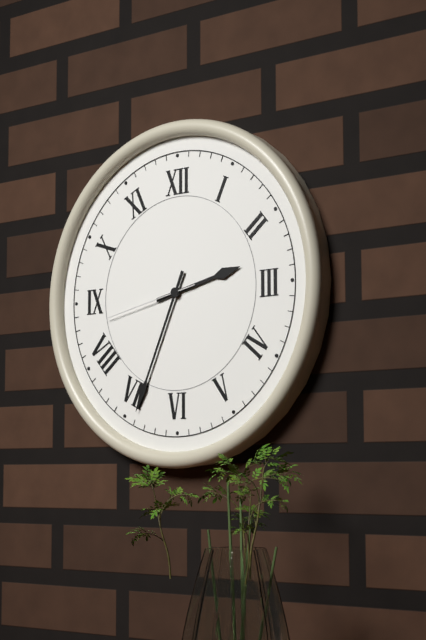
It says 2:34:43
